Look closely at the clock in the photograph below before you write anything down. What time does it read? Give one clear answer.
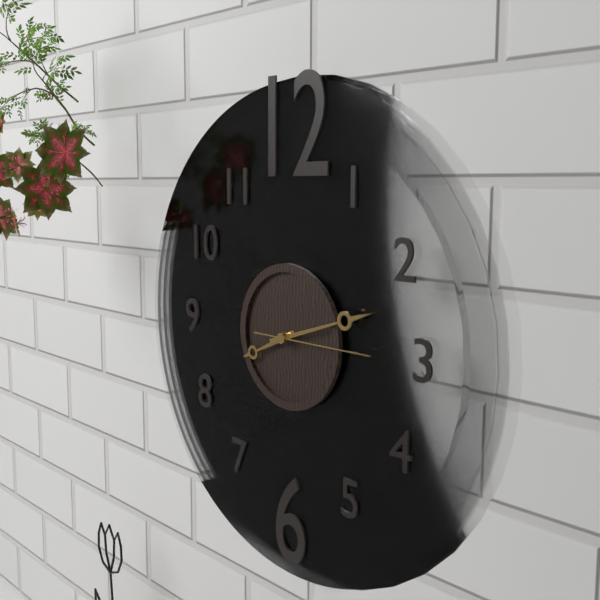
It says 8:12:15
